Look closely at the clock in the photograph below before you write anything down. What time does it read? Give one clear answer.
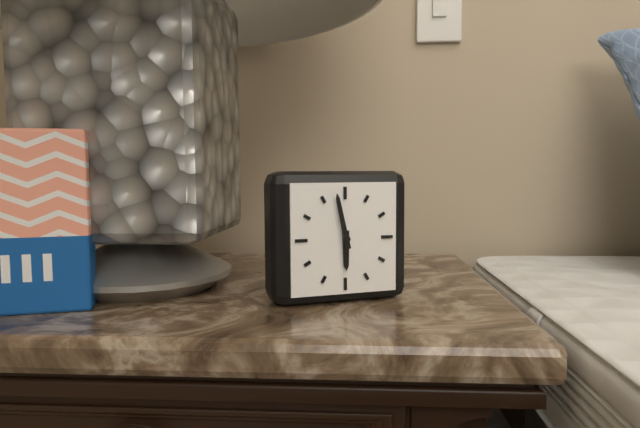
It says 5:58
